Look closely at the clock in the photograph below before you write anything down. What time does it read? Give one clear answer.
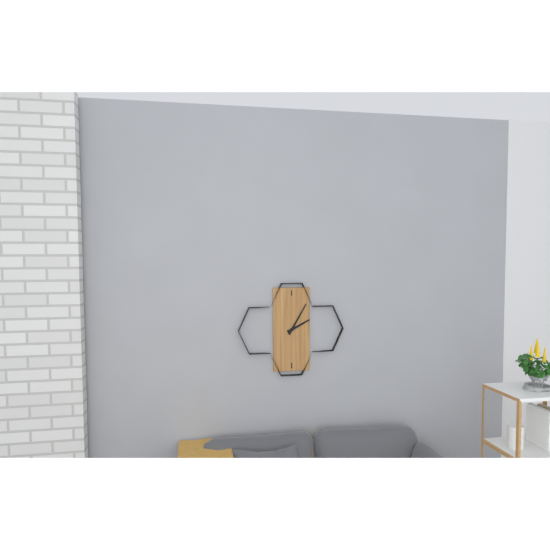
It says 2:05
